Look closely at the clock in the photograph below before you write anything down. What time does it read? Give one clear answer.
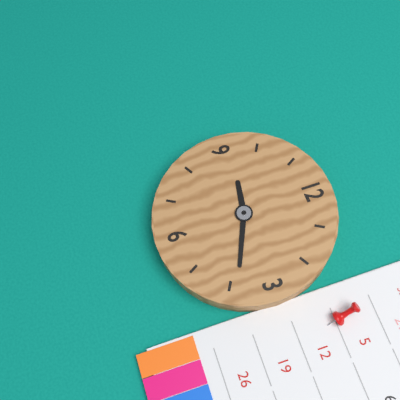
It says 9:19
